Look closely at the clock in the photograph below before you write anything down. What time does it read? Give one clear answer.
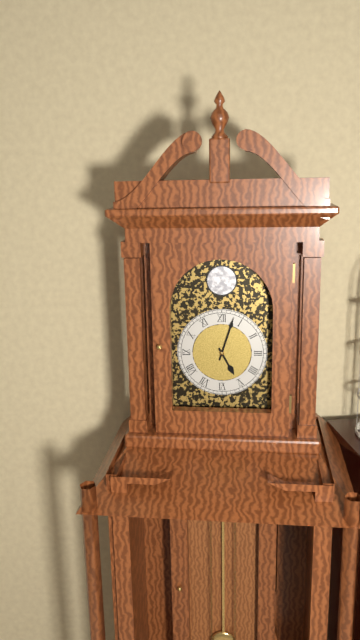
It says 5:03
